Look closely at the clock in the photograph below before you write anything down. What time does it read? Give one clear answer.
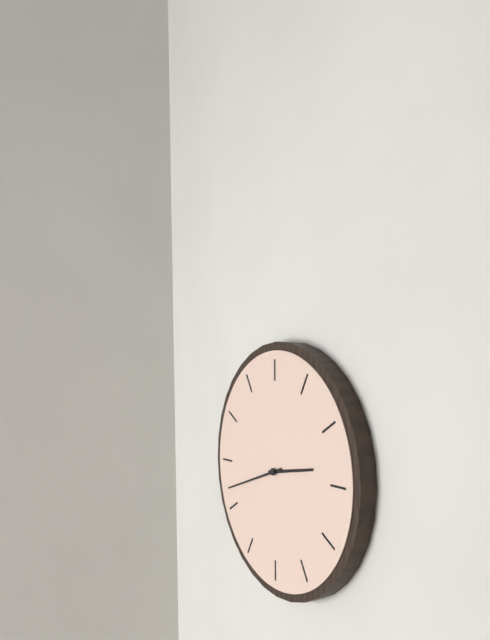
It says 2:42
